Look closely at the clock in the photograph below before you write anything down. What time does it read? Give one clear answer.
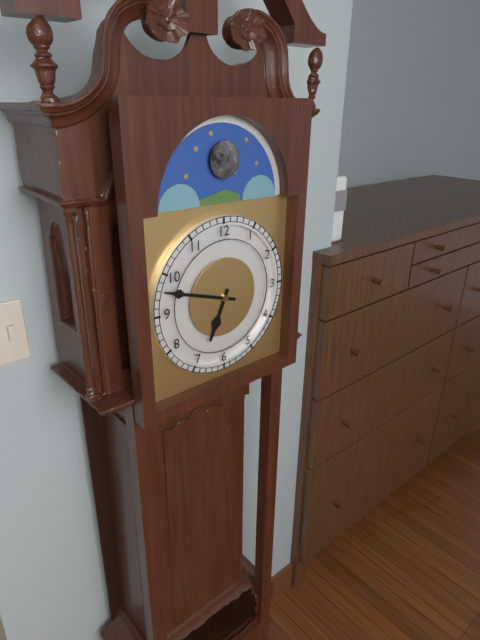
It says 6:48
